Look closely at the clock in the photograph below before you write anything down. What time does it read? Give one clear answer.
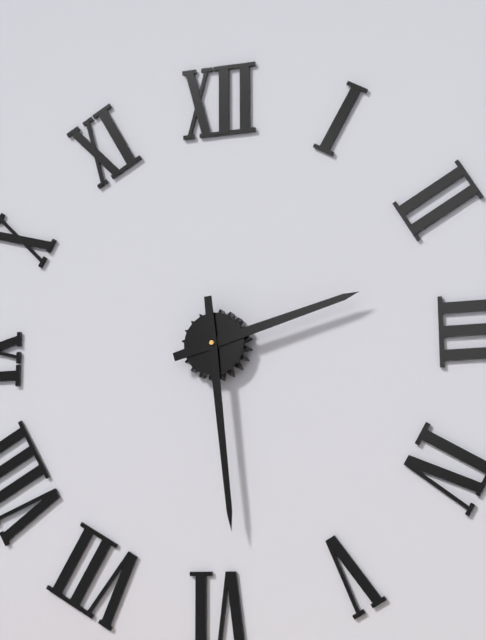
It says 2:29
